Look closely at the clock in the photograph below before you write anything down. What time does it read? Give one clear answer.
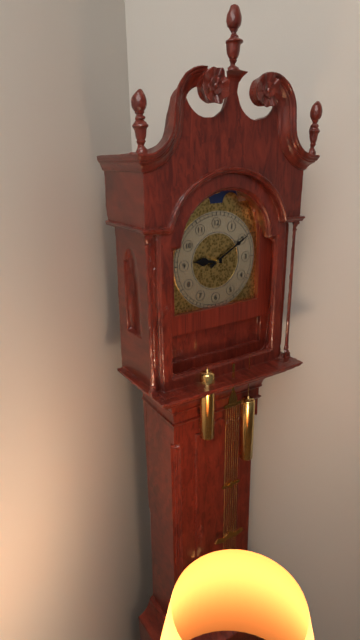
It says 9:10
